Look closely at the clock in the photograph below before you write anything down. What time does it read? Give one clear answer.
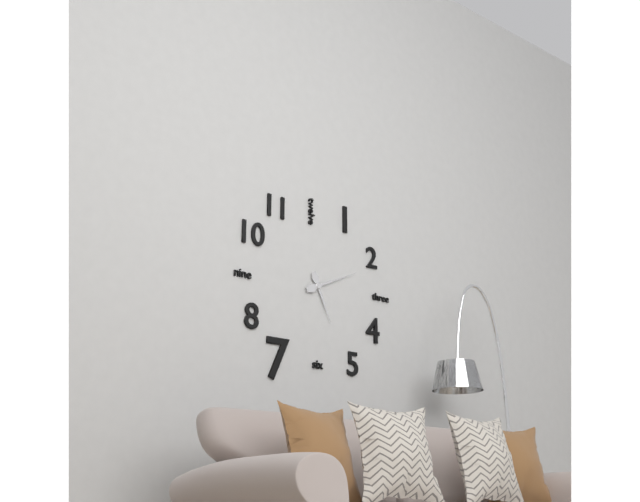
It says 5:11
